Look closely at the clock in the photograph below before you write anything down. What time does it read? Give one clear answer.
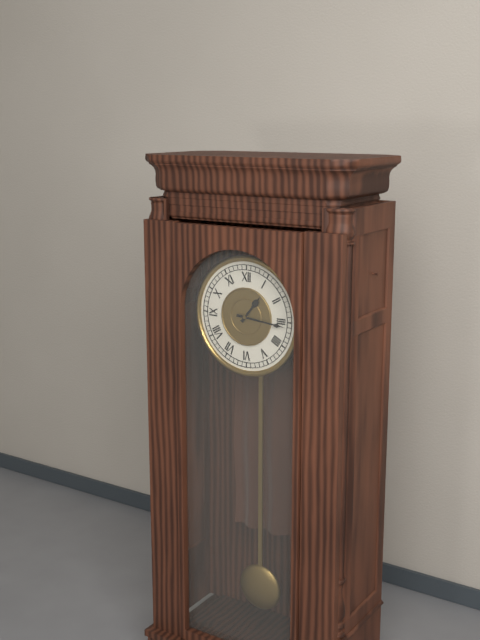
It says 1:16
